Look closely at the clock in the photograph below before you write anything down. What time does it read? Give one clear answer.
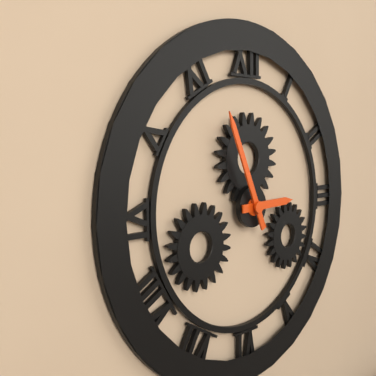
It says 2:56
